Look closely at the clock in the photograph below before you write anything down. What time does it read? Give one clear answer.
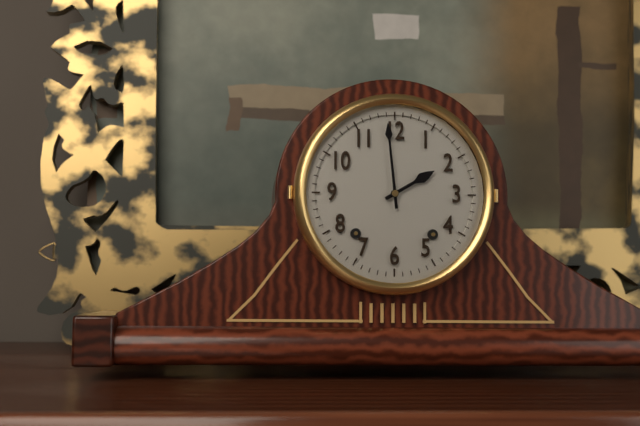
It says 1:59
